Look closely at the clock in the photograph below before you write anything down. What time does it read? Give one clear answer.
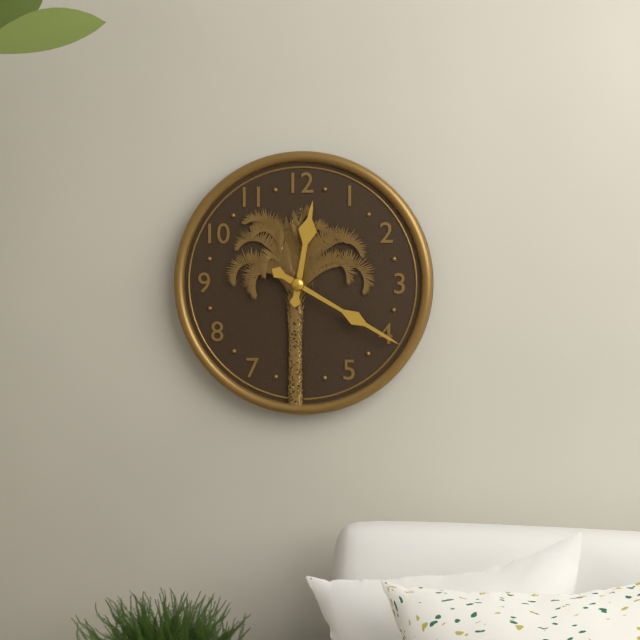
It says 12:20
